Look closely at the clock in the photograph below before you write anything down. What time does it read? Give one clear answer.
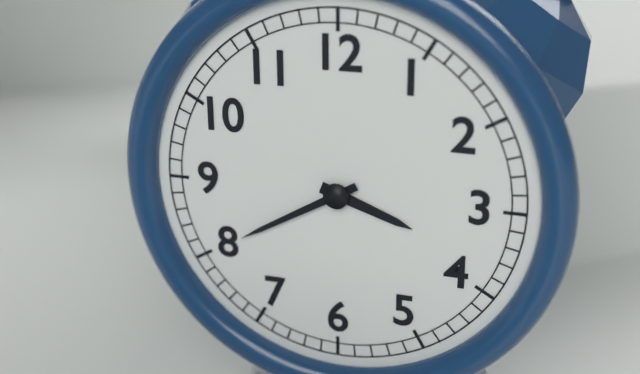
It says 3:40
